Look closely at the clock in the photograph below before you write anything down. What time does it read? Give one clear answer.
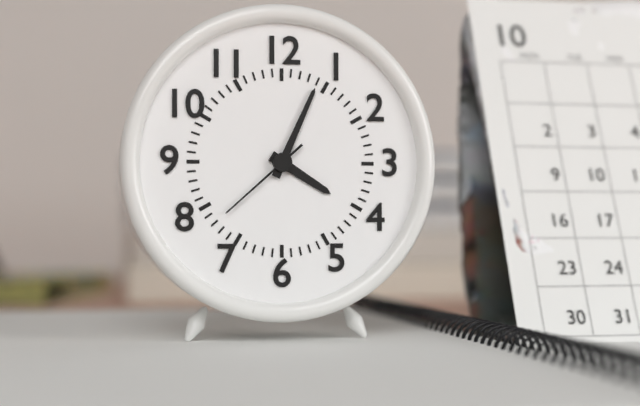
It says 4:04:38
